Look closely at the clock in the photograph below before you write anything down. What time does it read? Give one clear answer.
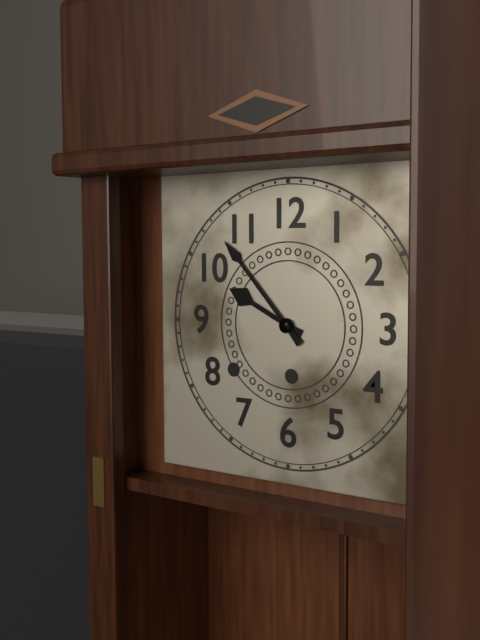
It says 9:53
